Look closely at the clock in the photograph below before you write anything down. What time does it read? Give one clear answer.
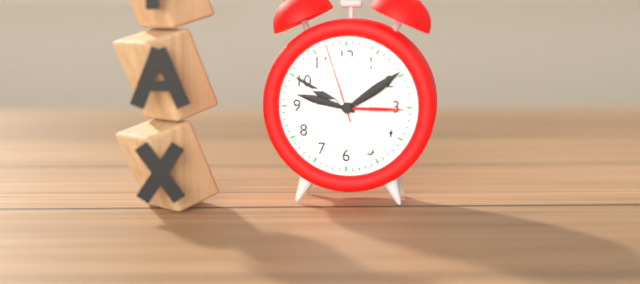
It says 9:50:57
